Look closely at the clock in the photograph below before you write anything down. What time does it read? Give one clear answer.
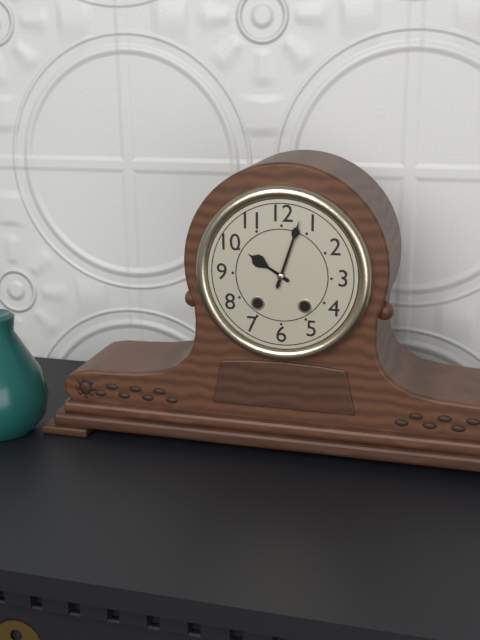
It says 10:03
